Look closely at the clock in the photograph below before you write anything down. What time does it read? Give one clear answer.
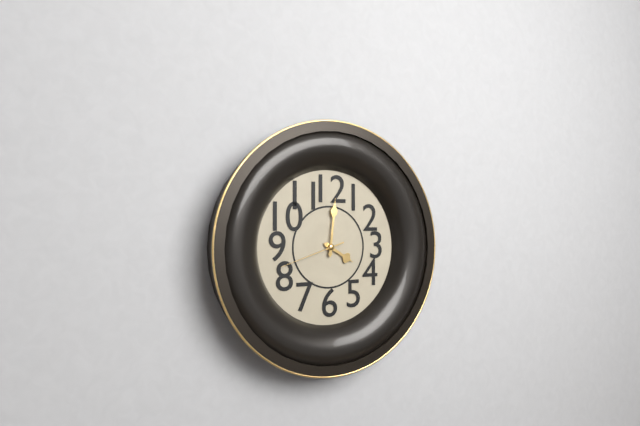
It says 4:01:42
